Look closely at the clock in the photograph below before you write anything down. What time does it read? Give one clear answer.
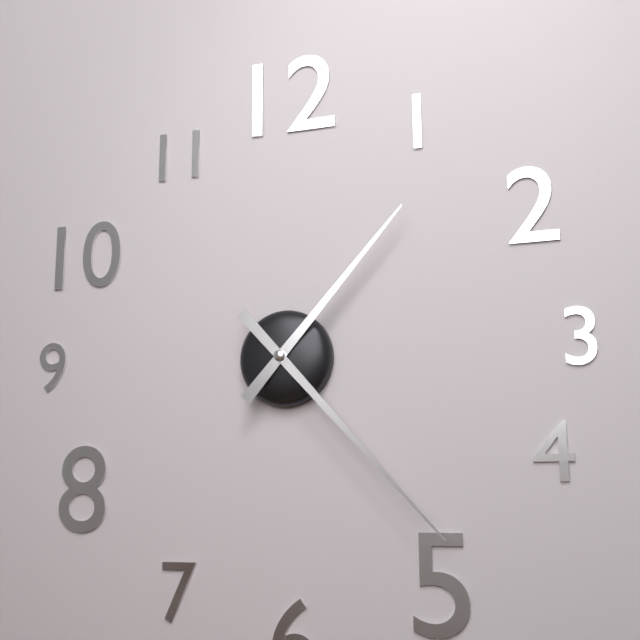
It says 1:23
